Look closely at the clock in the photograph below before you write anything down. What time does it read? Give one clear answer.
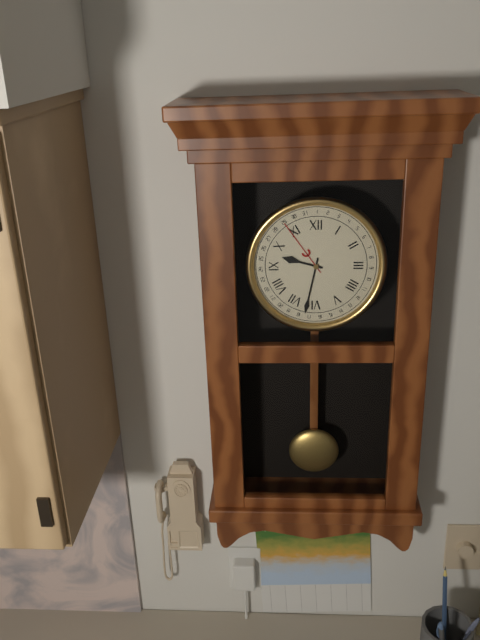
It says 9:32
